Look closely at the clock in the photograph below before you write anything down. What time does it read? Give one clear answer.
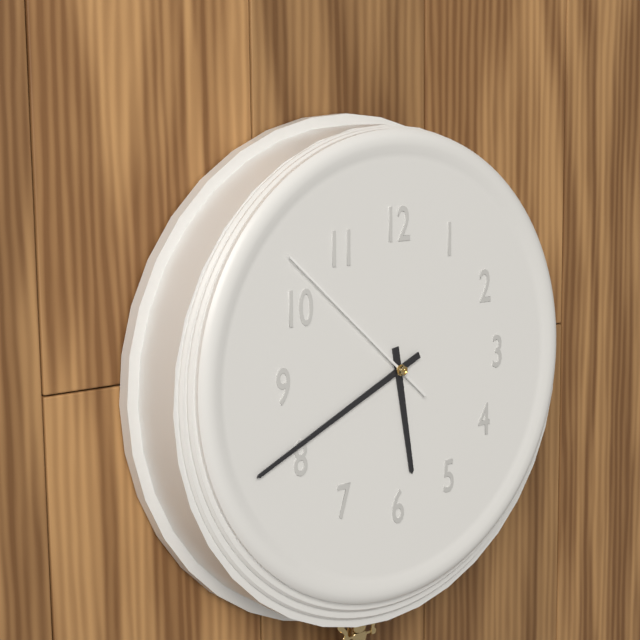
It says 5:41:52
